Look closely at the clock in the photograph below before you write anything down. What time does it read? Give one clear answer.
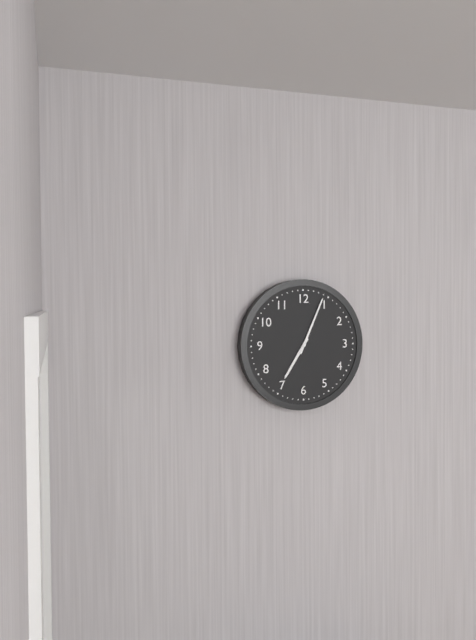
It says 7:04
